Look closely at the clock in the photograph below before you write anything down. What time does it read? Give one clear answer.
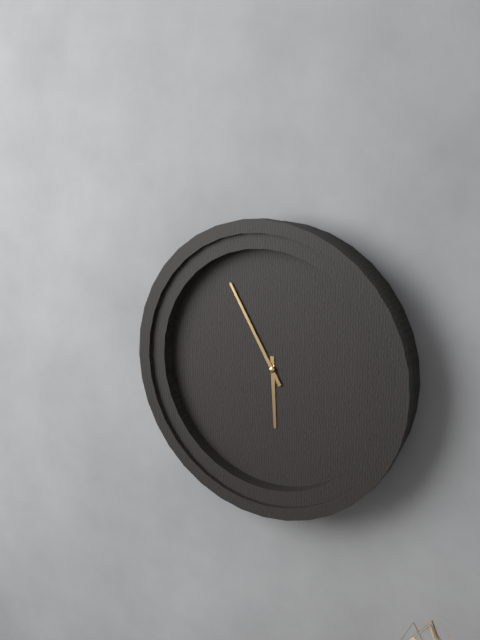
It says 5:55
